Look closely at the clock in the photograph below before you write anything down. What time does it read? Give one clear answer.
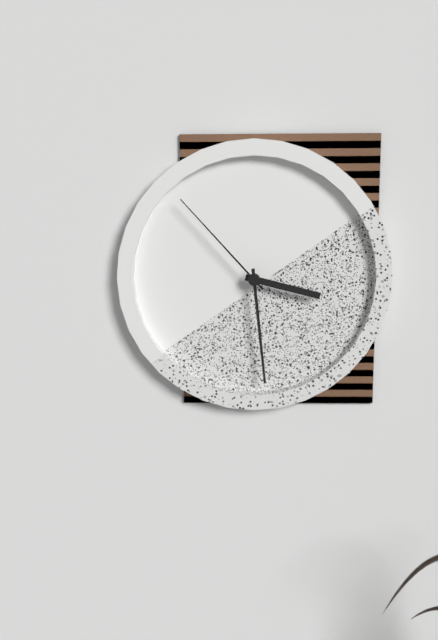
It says 3:29:53
